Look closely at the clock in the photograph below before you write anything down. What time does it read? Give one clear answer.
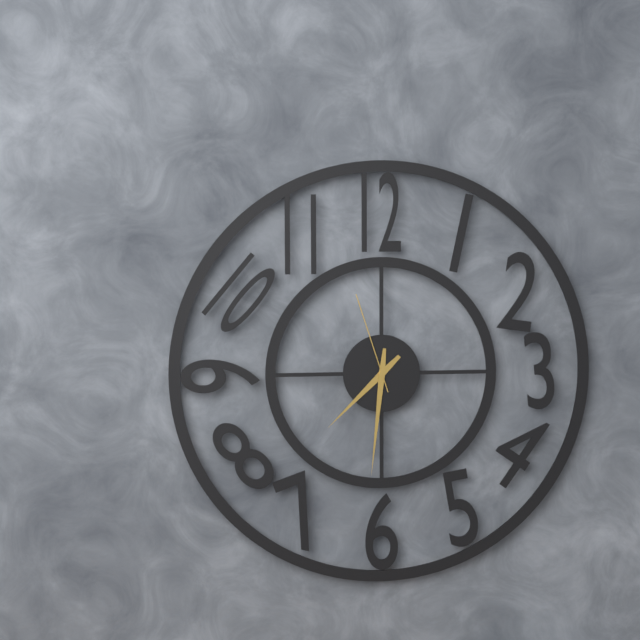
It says 7:31:57
